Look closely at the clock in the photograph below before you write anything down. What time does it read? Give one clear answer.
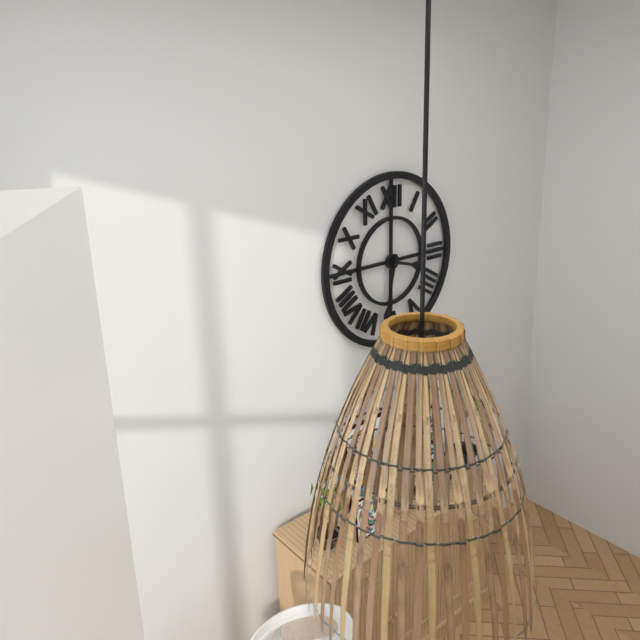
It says 3:32
